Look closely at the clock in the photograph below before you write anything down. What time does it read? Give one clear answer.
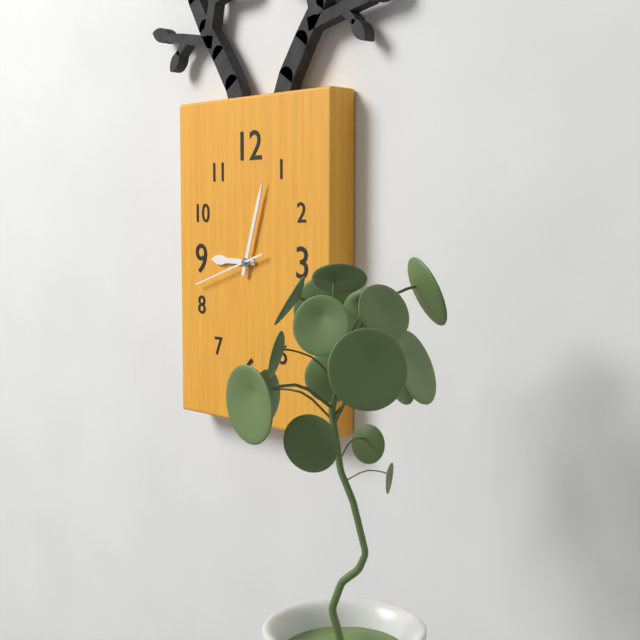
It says 9:03:42
